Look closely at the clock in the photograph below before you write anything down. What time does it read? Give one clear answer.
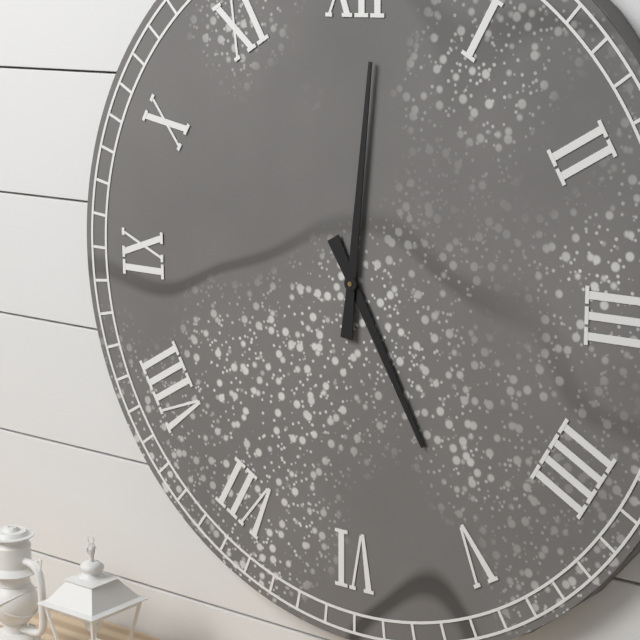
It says 5:01
